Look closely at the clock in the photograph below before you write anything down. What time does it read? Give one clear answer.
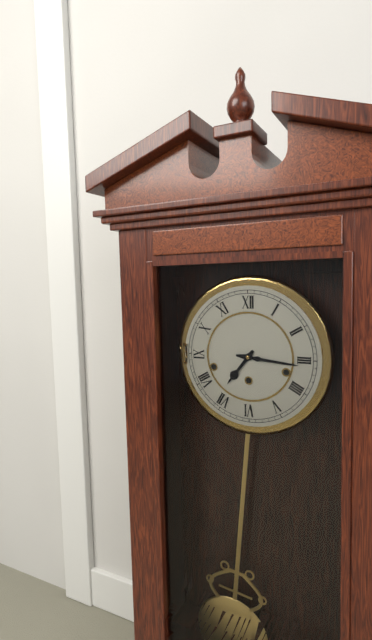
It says 7:16
